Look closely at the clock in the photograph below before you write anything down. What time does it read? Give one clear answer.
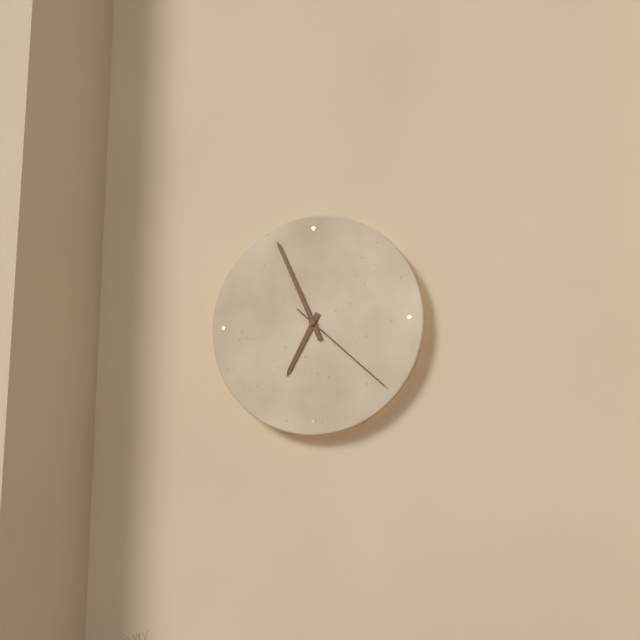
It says 6:56:22
